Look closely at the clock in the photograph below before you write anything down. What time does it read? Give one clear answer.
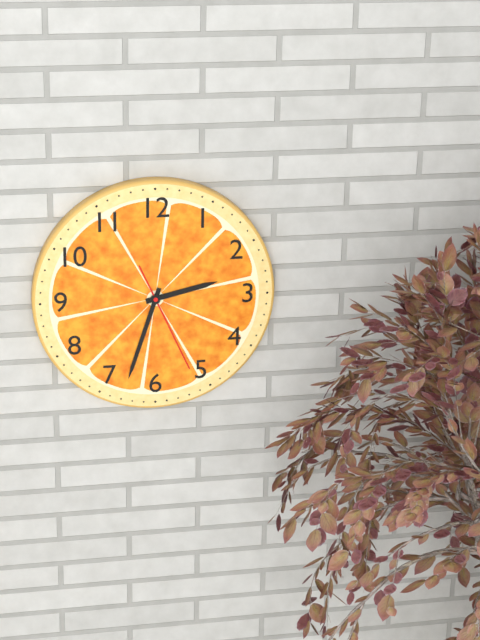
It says 2:33:26
